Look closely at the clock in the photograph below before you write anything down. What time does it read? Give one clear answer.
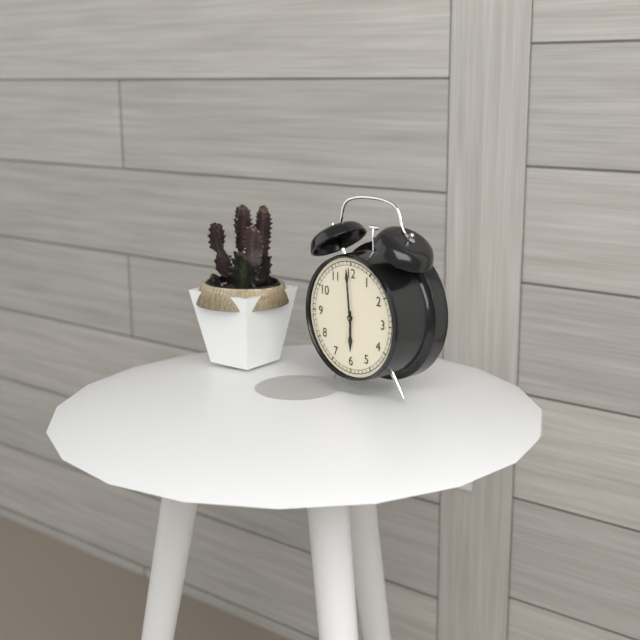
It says 5:59
